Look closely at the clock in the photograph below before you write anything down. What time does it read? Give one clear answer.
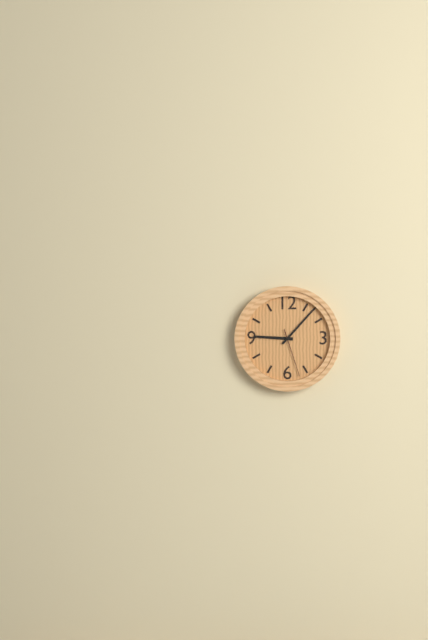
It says 9:07
